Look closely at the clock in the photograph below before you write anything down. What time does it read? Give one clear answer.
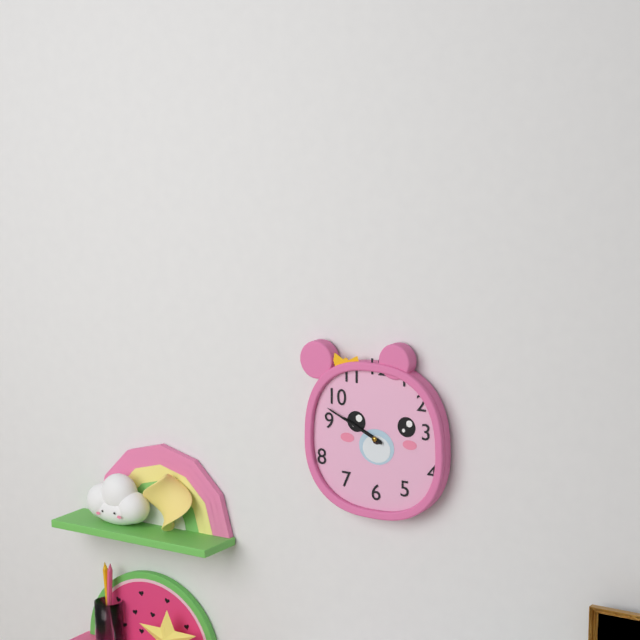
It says 9:49
